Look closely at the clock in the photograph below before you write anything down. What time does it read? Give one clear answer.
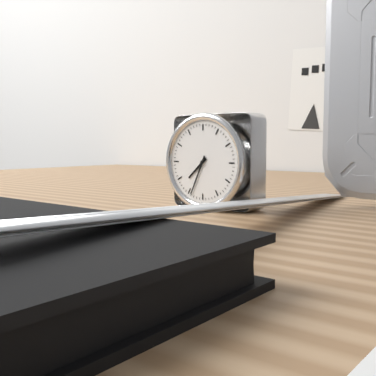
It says 7:34
